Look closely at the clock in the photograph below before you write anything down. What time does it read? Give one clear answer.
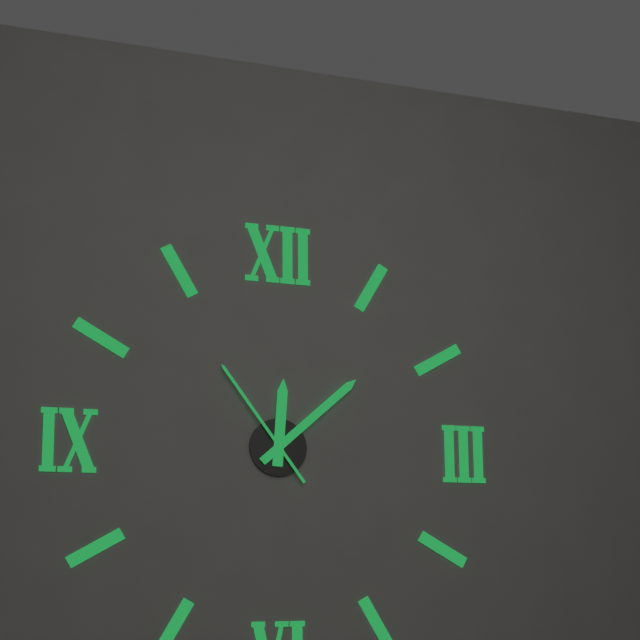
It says 12:08:54
